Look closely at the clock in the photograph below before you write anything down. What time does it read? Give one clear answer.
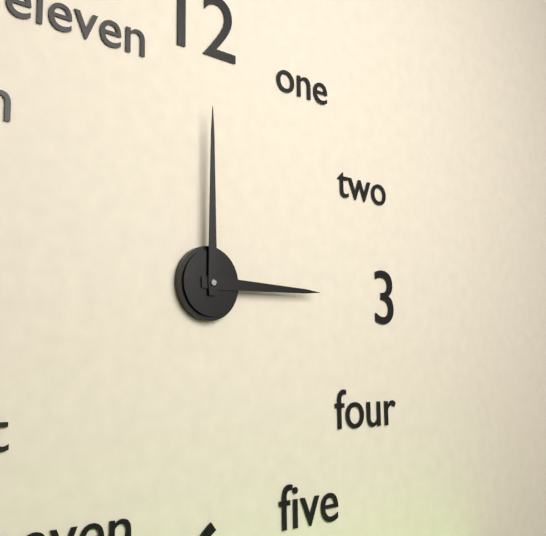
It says 3:00
